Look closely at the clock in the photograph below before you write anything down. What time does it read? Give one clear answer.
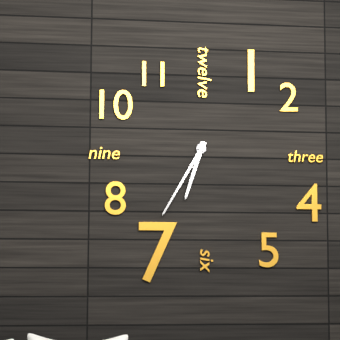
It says 6:35
